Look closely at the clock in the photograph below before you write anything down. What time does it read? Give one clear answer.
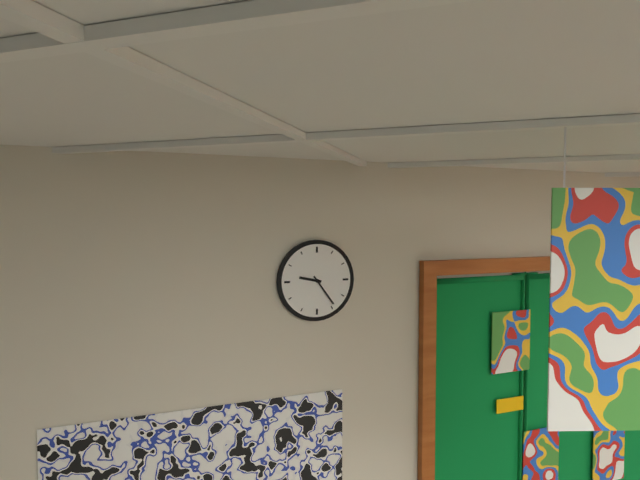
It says 9:24
